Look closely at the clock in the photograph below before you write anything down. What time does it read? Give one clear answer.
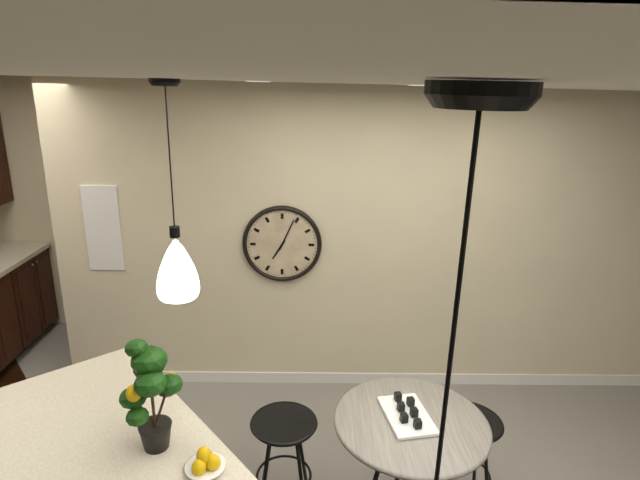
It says 7:04
